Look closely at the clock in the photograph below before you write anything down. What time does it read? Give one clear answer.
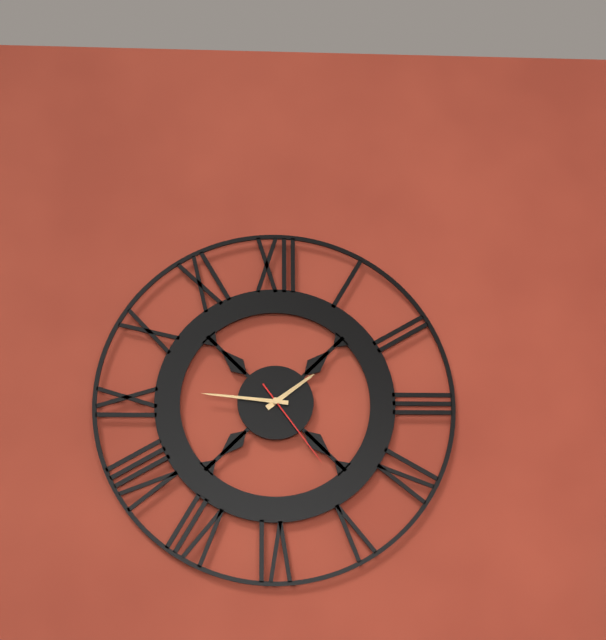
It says 1:46:24
